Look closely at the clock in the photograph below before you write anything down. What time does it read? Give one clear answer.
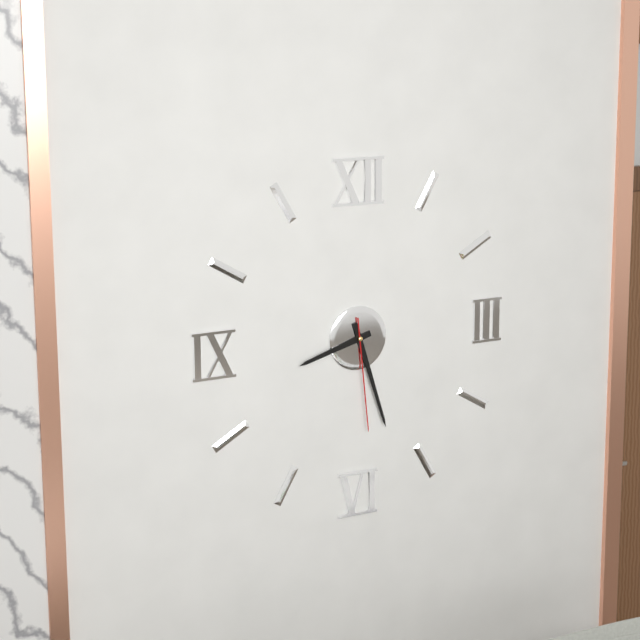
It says 8:27:29
